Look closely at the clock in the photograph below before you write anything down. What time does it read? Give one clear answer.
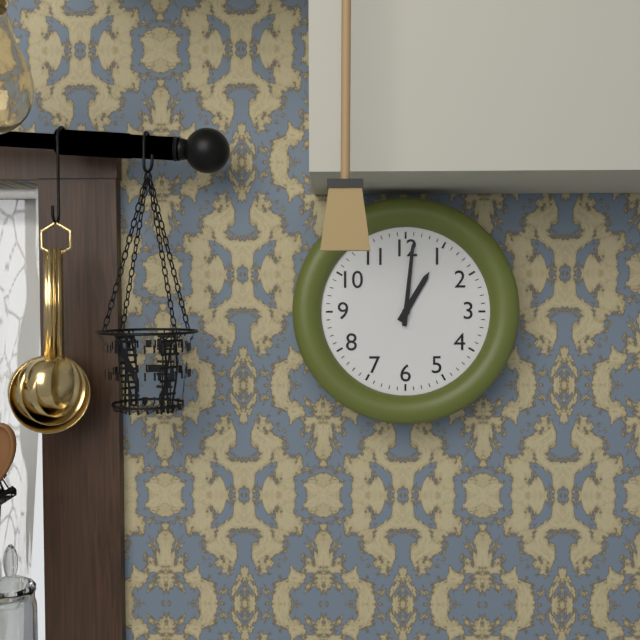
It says 1:01
